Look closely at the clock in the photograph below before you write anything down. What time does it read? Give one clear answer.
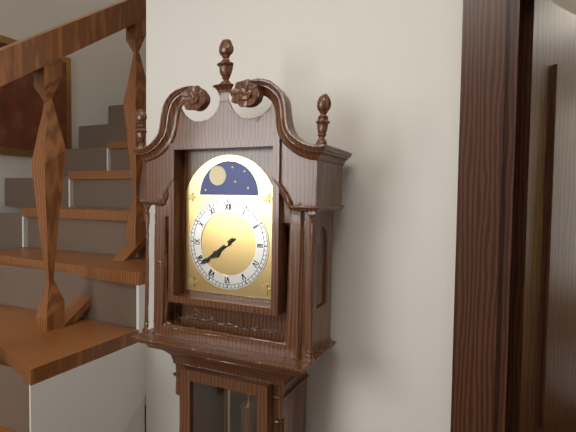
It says 7:39
